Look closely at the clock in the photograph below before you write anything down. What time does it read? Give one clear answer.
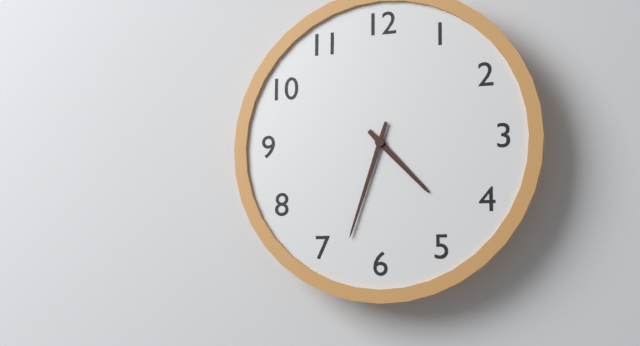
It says 4:33
